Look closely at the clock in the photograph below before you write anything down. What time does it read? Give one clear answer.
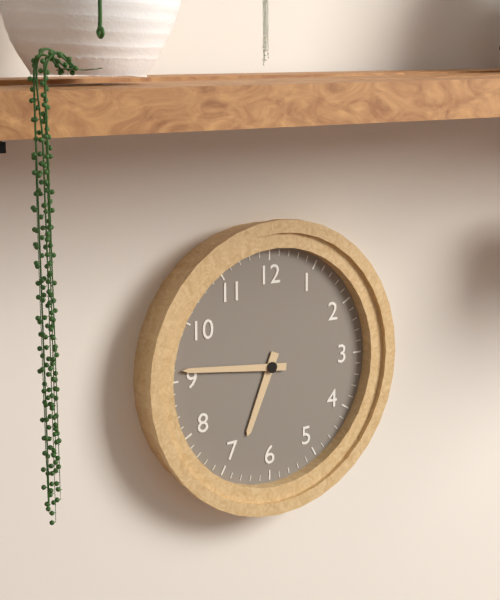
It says 6:46
